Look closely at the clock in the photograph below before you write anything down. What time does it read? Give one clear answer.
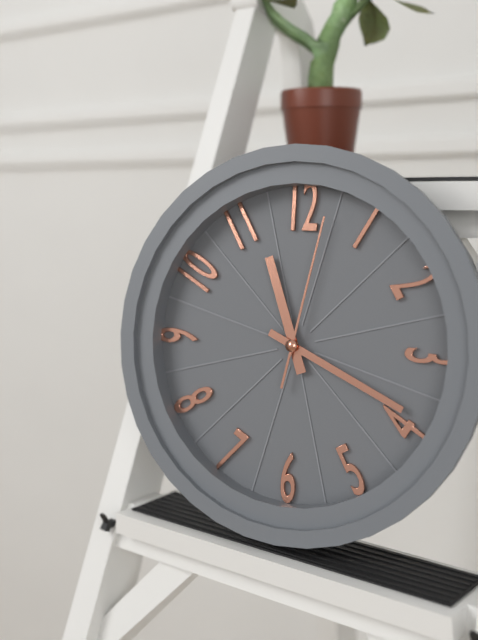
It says 11:19:02
